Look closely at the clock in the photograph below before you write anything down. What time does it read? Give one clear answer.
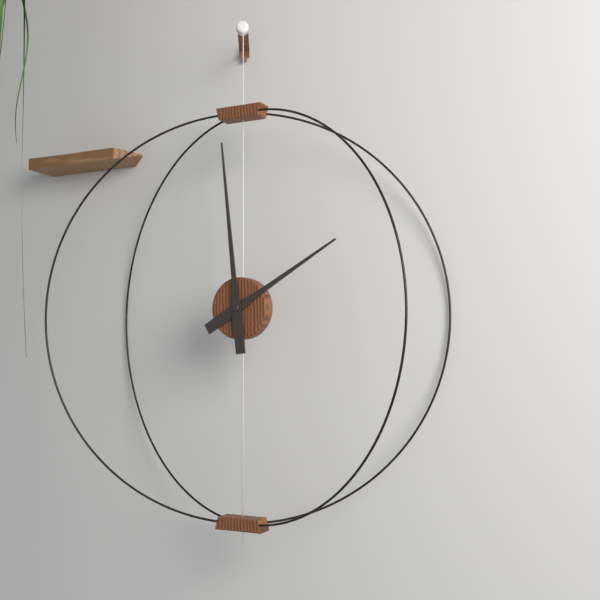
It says 1:59
